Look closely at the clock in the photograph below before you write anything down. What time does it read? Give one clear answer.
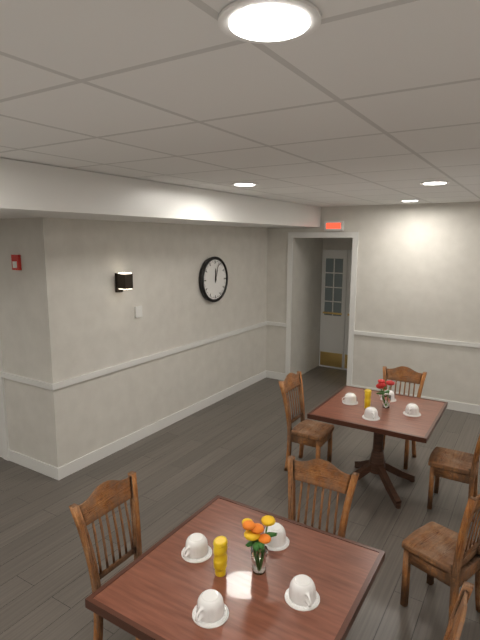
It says 12:03
